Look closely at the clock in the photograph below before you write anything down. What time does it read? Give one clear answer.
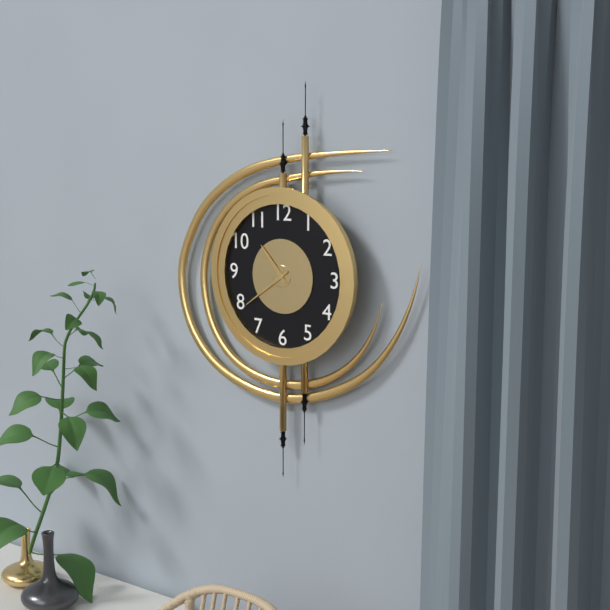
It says 10:39
